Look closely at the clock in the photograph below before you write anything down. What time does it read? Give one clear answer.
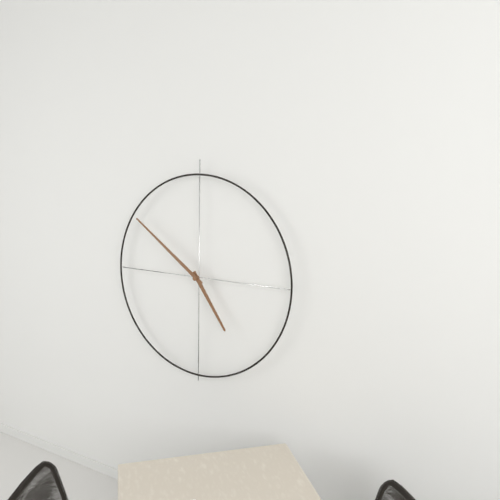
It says 4:51
